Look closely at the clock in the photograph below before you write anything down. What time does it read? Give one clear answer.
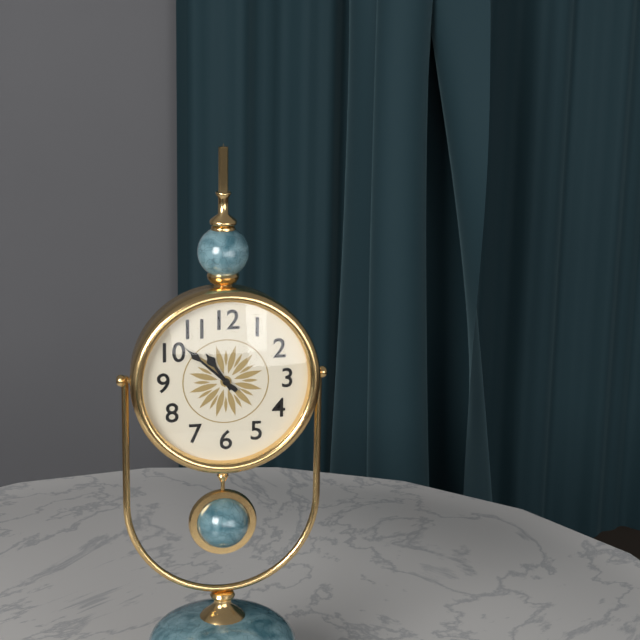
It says 10:52
